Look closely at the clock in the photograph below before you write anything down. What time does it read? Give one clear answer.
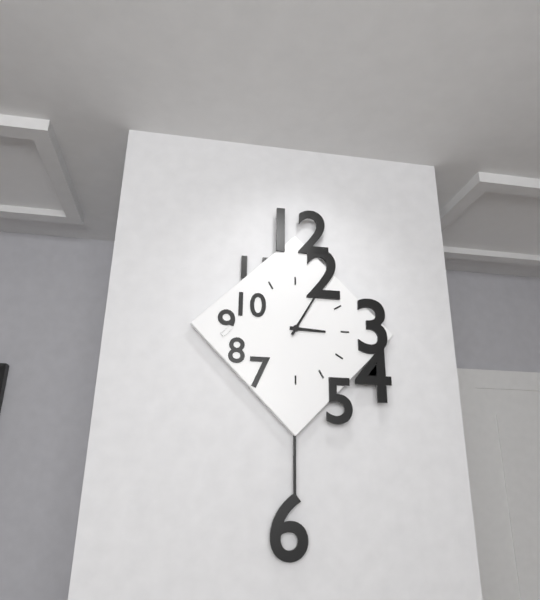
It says 3:05
